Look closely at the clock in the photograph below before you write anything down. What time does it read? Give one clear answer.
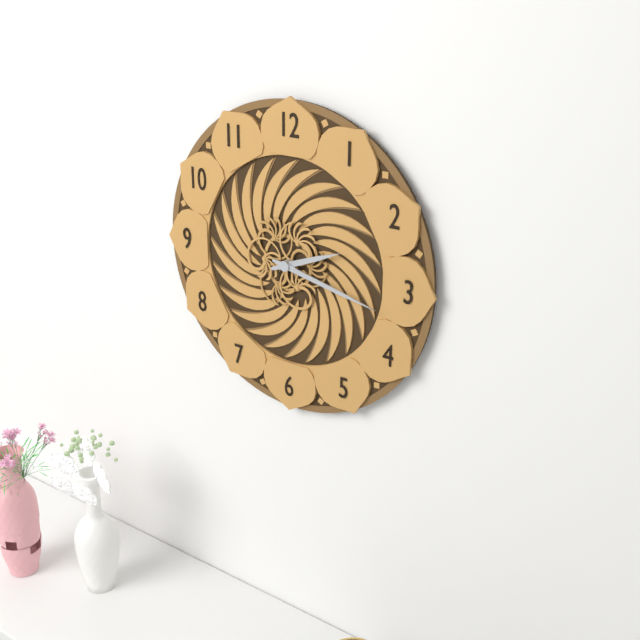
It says 2:17
